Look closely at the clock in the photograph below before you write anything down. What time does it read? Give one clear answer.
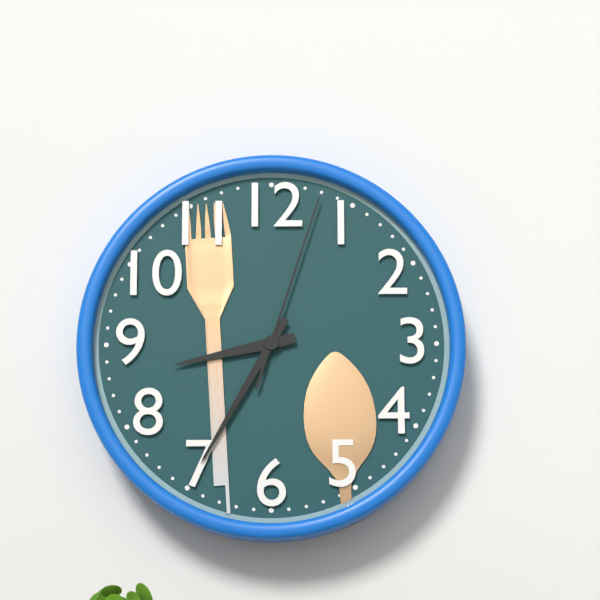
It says 8:35:03
